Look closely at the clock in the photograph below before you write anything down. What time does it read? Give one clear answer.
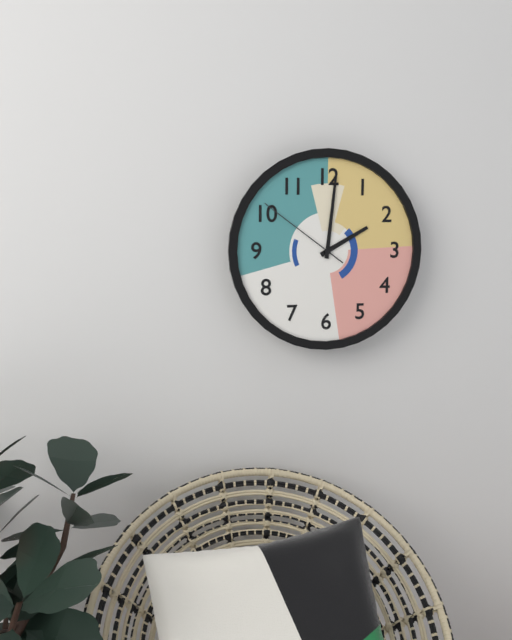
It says 2:01:51
